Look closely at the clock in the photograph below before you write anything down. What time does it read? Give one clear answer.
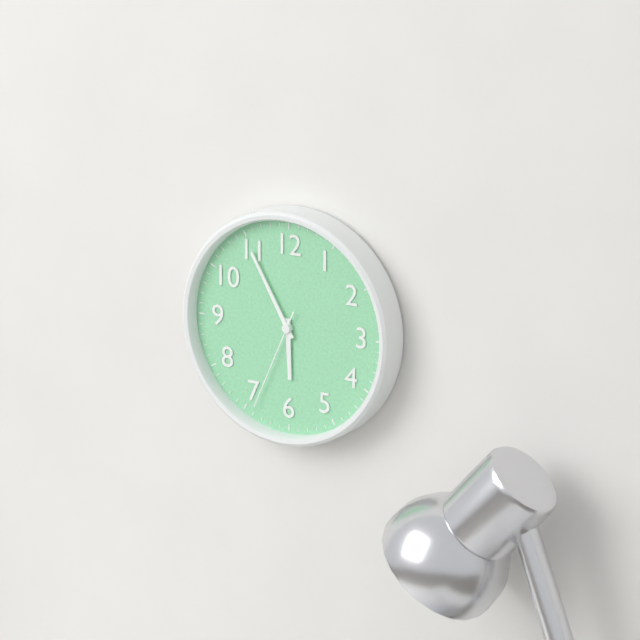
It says 5:55:34
